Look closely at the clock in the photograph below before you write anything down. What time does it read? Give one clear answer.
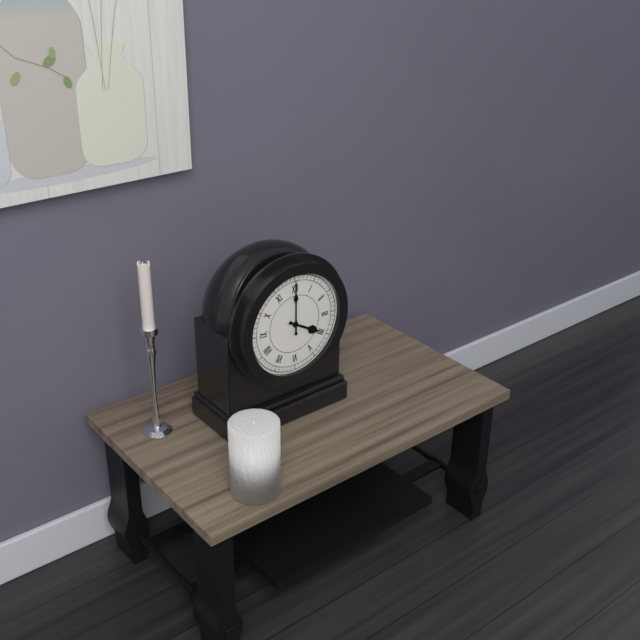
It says 4:00
